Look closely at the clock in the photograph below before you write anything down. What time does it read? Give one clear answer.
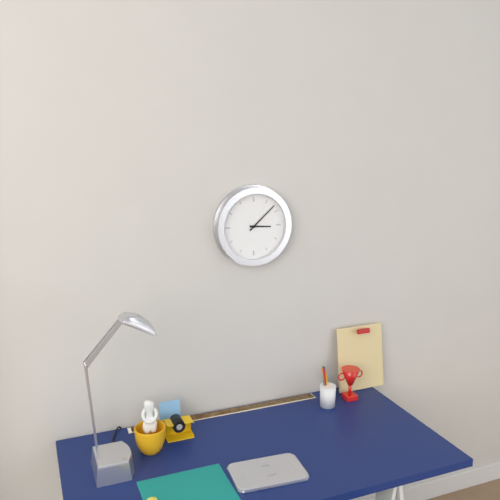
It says 3:08
